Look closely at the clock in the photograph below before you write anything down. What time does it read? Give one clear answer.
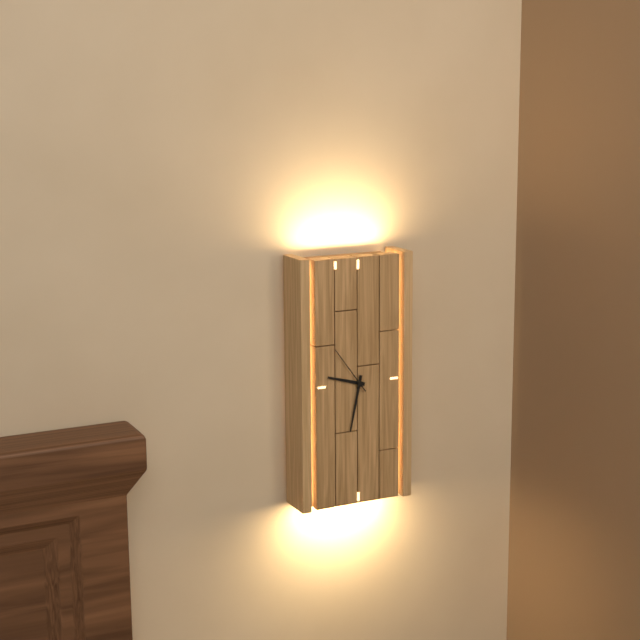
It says 9:32:54
